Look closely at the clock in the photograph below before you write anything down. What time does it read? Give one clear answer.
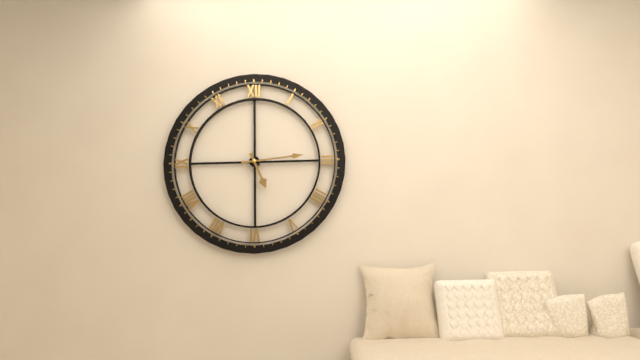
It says 5:14
